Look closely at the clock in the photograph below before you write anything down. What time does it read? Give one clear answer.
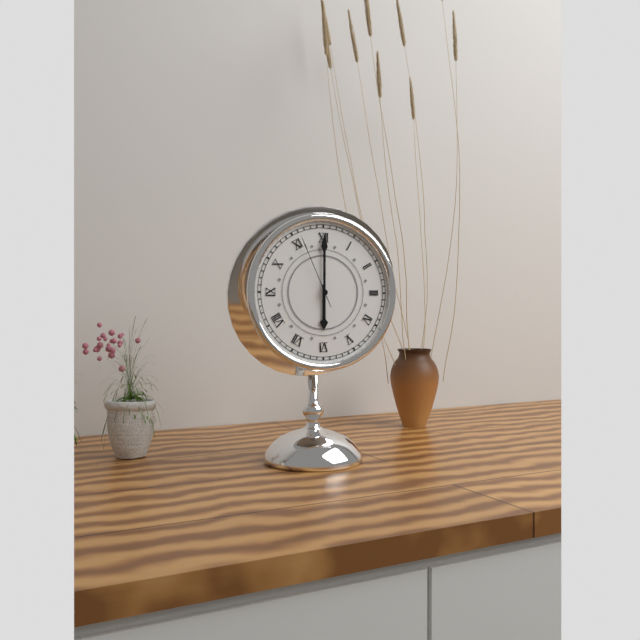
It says 6:00:56
